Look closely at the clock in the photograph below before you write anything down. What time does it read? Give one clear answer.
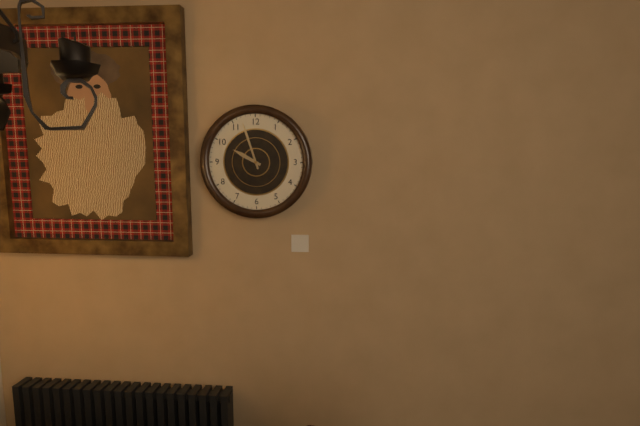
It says 9:57
